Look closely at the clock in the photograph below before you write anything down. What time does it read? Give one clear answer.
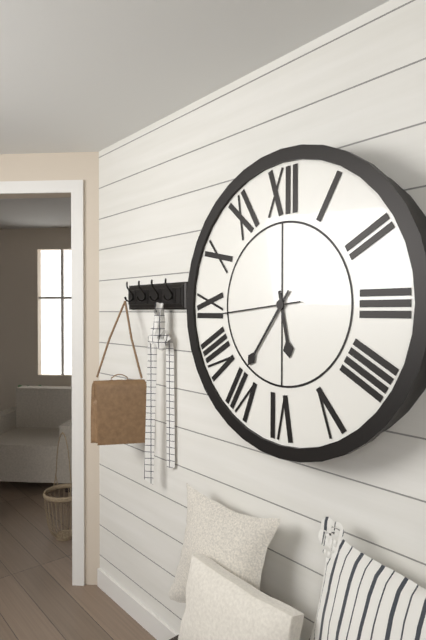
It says 5:36:44
